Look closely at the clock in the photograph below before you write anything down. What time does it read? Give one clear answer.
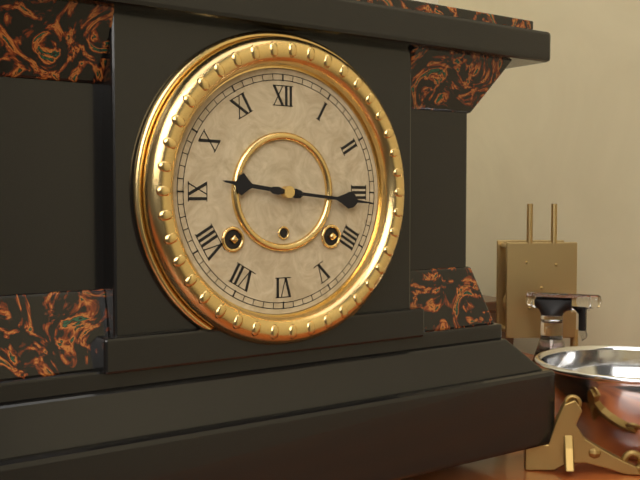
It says 9:16
